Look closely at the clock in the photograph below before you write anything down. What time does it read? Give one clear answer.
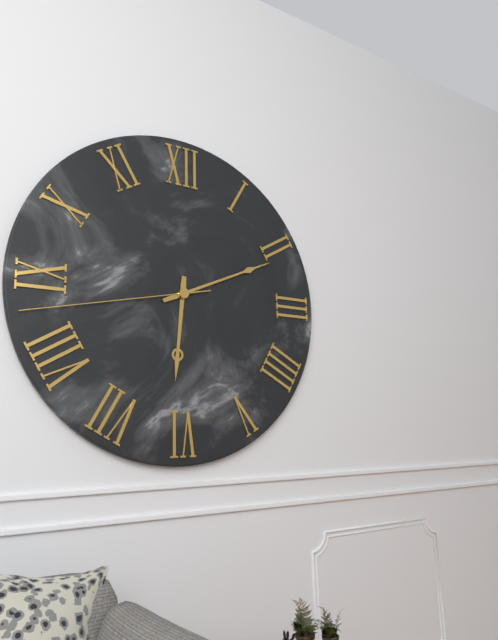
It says 6:11:43
